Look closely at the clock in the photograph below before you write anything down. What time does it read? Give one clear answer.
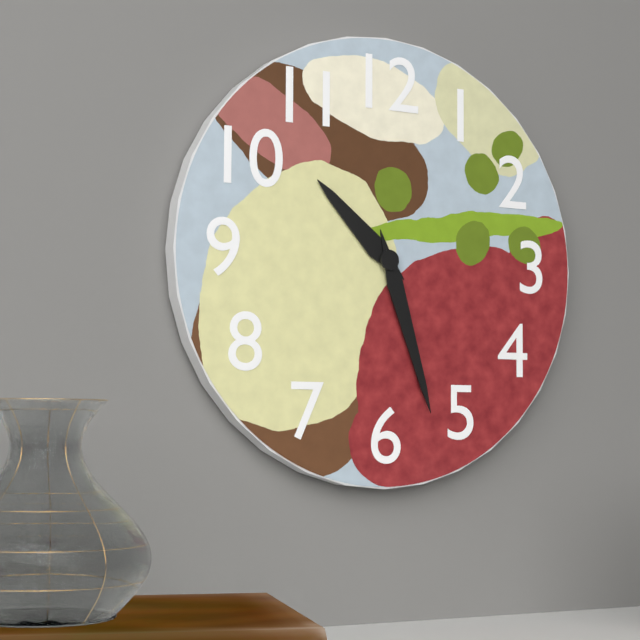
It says 10:27
